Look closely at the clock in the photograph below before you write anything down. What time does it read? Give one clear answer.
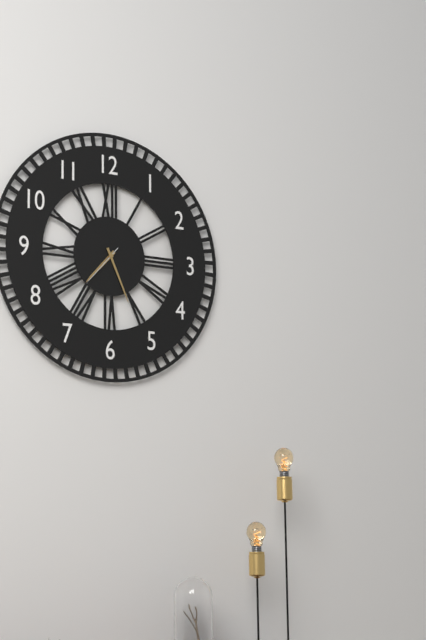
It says 7:26
